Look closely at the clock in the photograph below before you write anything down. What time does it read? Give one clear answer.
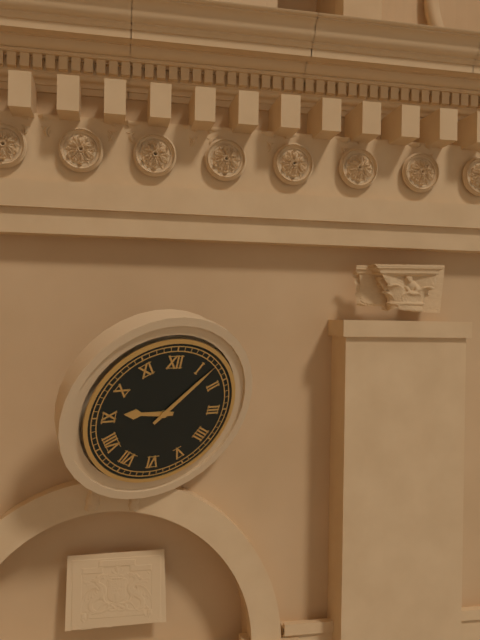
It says 9:07
